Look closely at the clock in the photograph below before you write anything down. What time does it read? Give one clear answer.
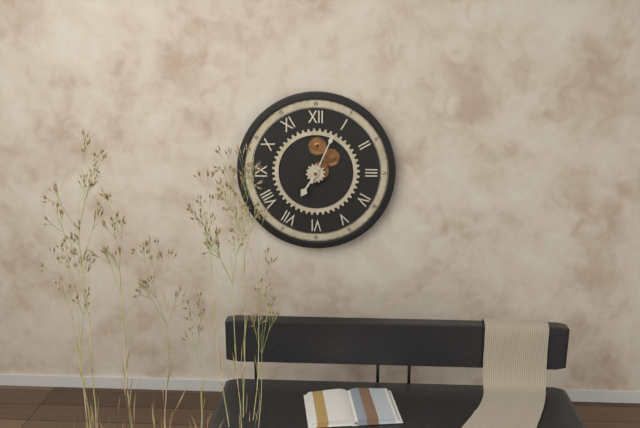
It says 7:04
